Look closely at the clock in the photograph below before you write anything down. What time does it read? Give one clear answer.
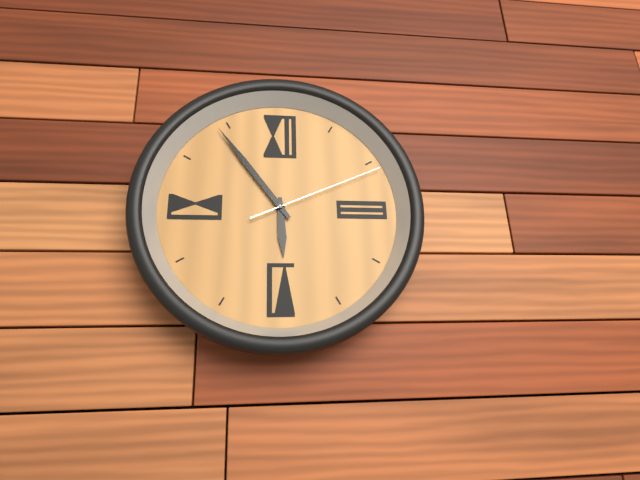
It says 5:54:11
